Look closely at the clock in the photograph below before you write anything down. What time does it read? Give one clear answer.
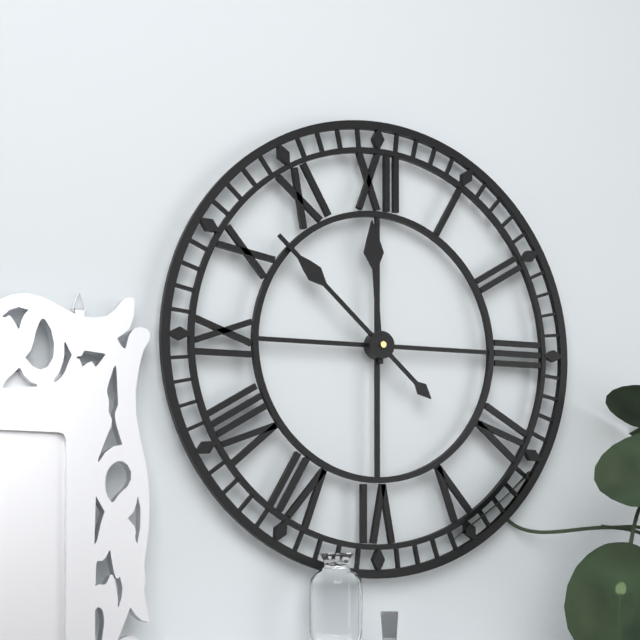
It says 11:52
